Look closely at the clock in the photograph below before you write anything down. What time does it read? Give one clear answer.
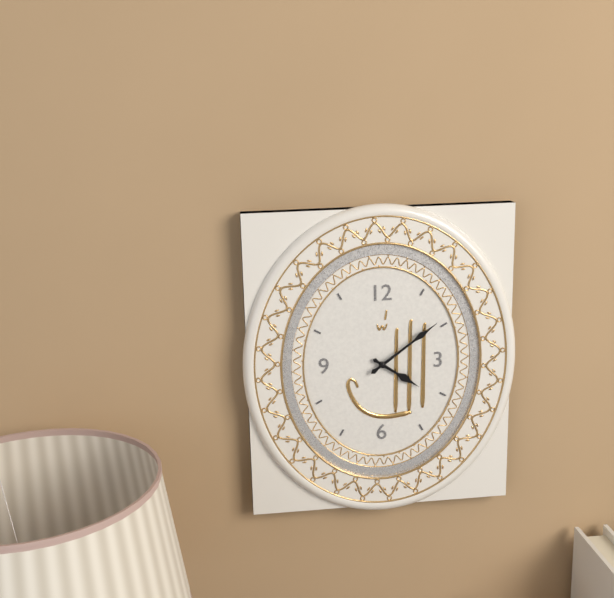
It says 4:09
